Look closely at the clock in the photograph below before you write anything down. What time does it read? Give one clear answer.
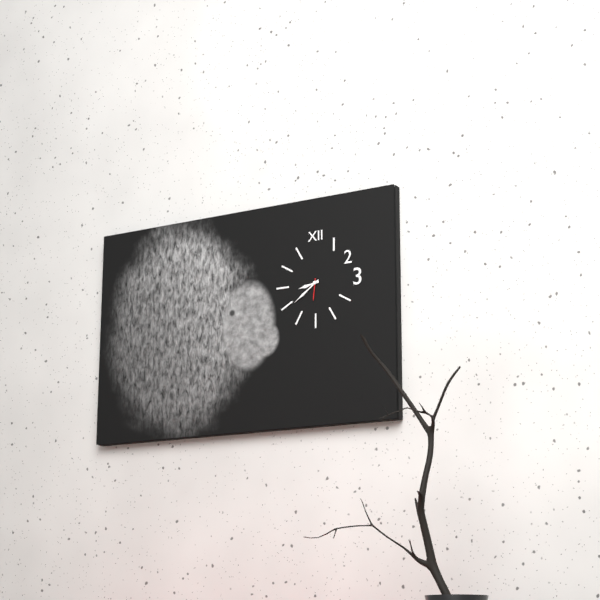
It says 8:39
